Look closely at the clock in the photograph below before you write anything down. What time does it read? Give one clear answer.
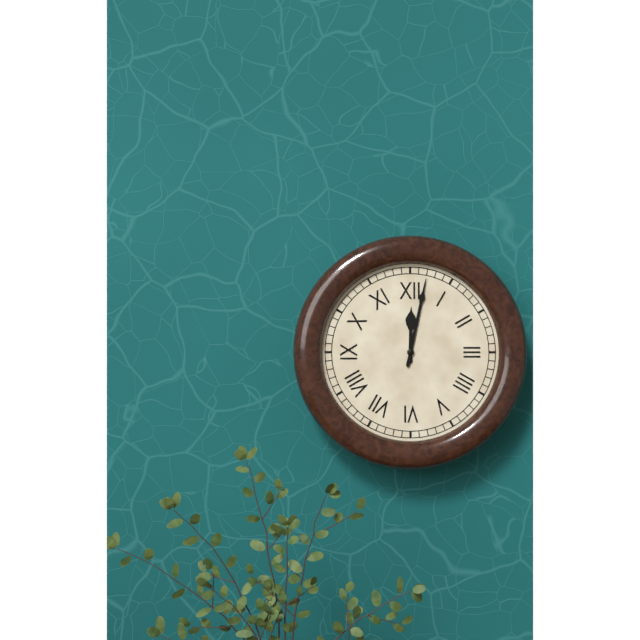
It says 12:02
